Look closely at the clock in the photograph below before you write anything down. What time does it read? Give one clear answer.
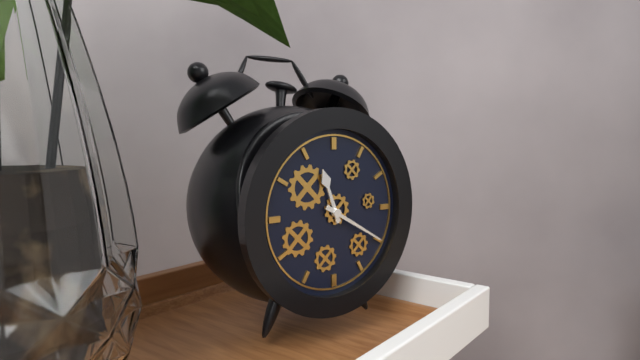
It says 11:20
